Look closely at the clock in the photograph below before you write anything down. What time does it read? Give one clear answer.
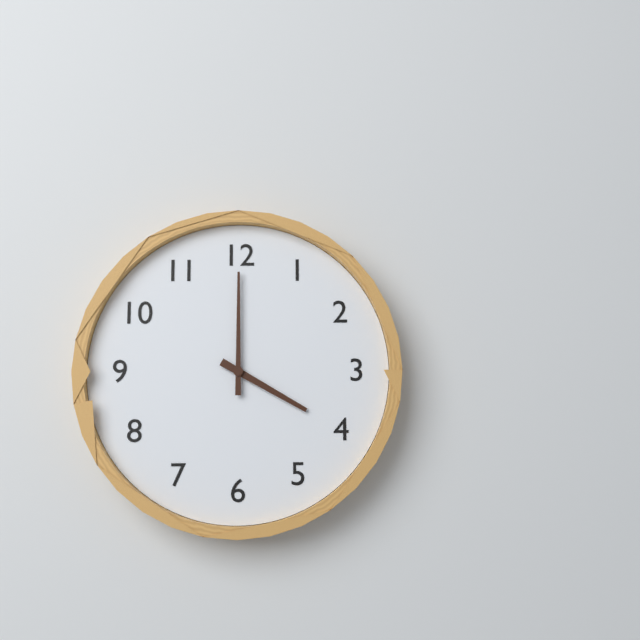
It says 4:00
